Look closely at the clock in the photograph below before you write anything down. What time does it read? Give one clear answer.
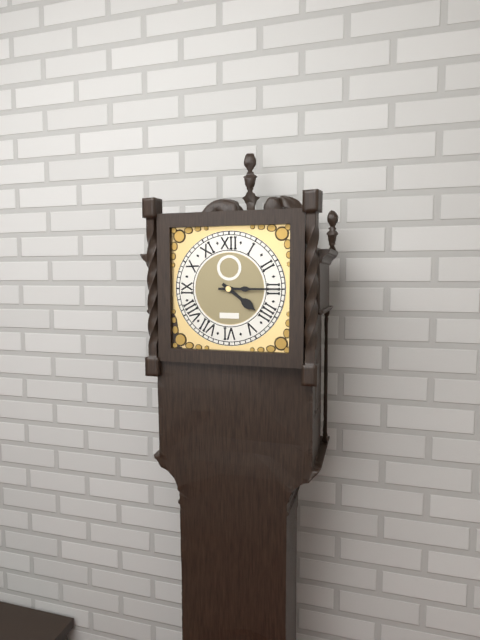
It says 4:15
